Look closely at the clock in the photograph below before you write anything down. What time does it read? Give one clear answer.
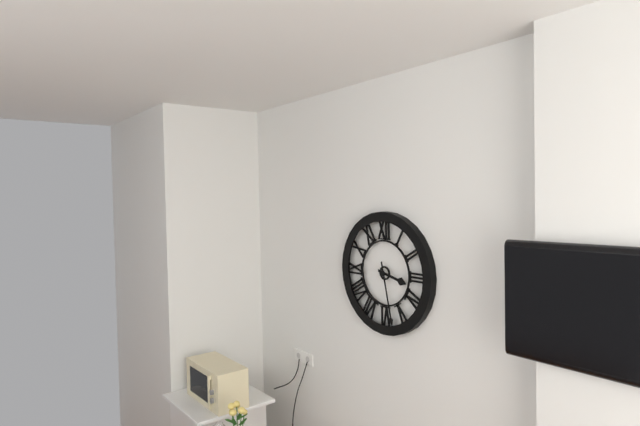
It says 3:28
